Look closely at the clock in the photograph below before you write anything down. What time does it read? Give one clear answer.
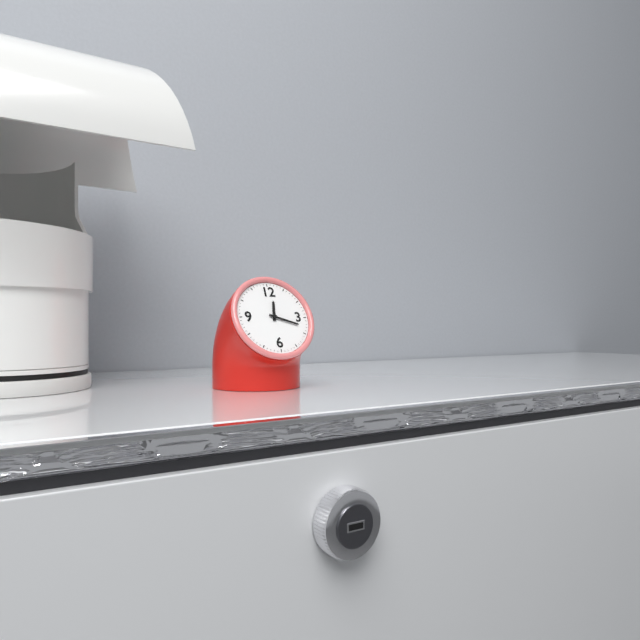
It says 12:18
